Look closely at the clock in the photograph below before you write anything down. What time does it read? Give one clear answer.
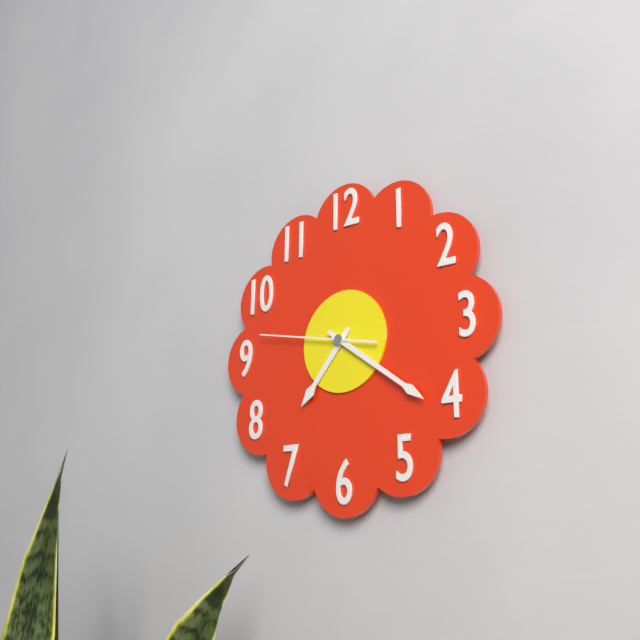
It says 7:21:47
